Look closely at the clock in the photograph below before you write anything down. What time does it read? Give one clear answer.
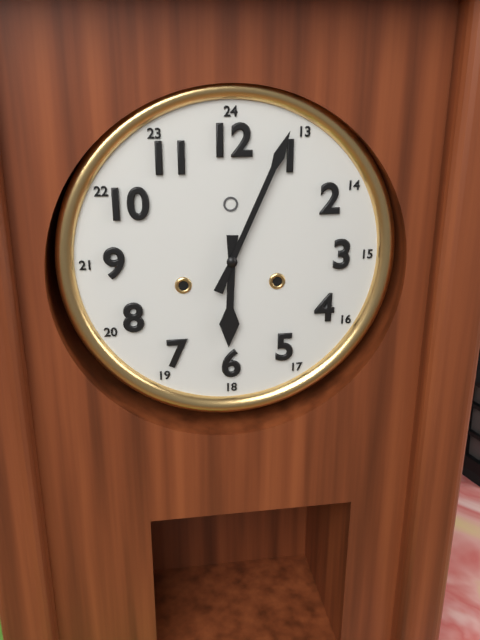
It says 6:04
